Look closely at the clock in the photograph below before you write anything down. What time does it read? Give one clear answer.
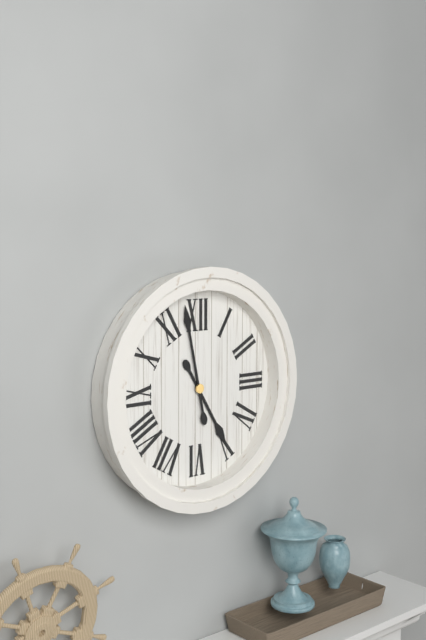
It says 4:58
